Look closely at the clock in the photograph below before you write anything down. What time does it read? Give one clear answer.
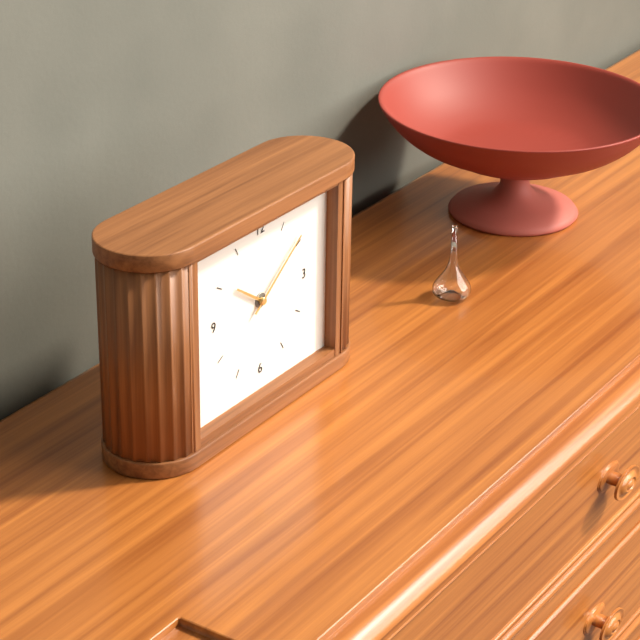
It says 10:09
